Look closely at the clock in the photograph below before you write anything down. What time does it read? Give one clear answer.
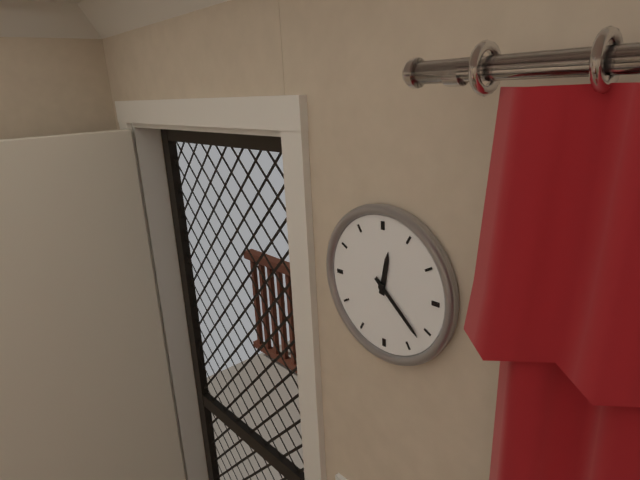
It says 12:22
